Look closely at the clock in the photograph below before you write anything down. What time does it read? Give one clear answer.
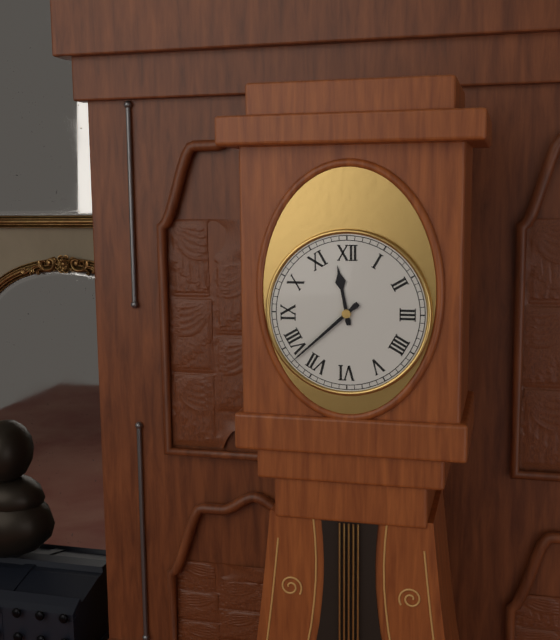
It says 11:38
